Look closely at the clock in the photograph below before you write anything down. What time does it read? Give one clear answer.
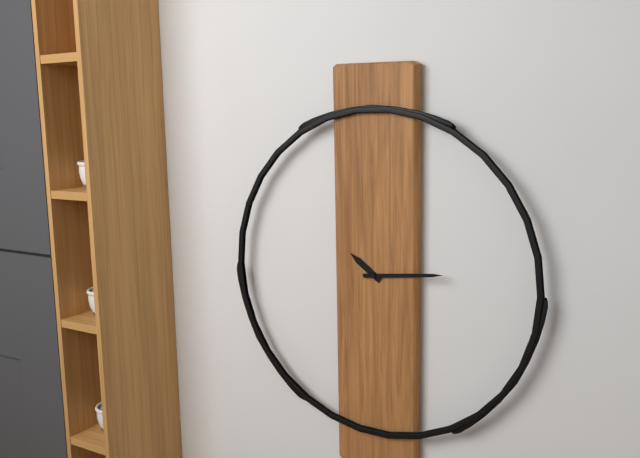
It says 10:14
